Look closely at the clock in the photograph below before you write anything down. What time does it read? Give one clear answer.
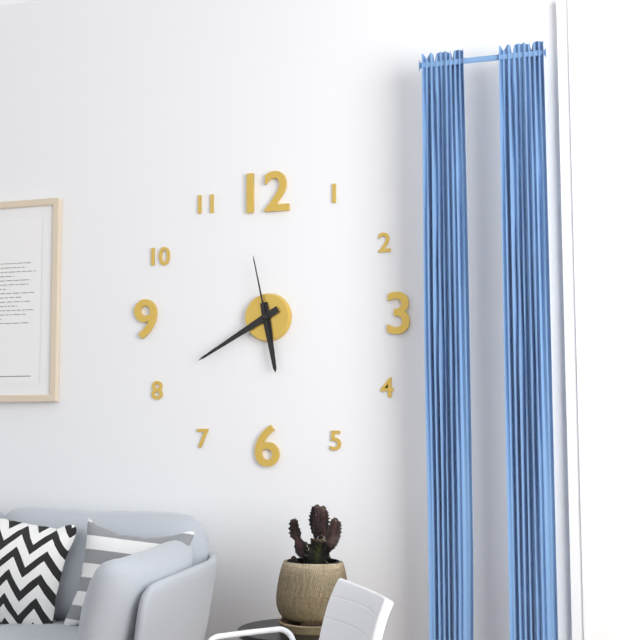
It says 5:40:58
